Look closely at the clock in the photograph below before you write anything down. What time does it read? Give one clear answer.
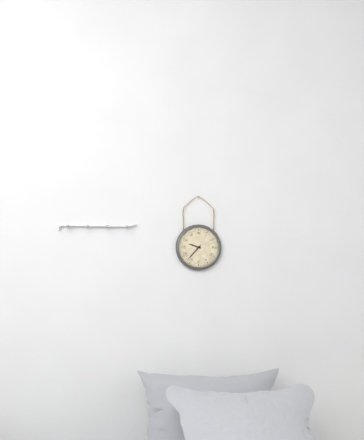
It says 9:37
